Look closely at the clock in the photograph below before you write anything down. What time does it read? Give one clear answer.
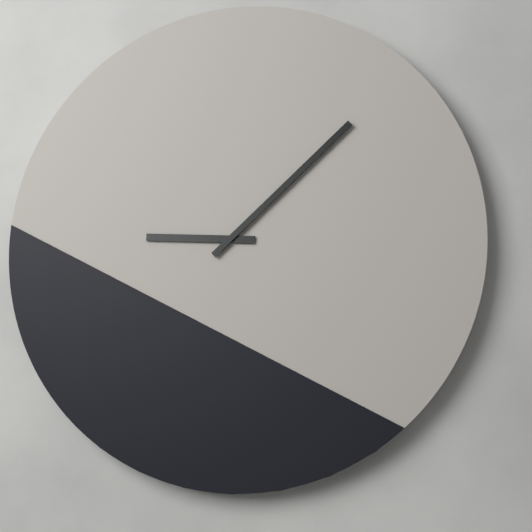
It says 9:08
